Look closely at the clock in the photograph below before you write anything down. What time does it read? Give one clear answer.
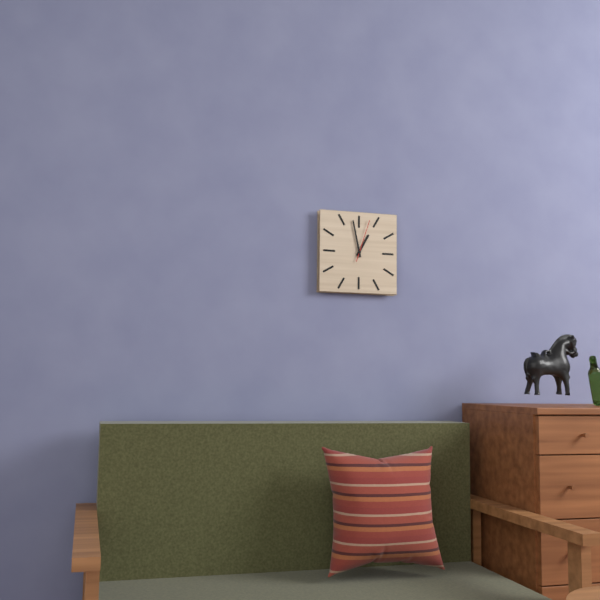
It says 12:58
